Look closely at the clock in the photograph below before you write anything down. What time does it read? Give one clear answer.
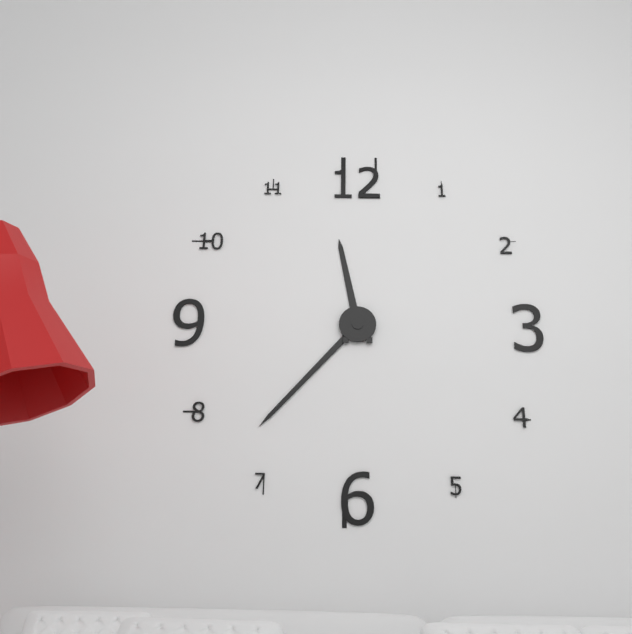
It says 11:37
